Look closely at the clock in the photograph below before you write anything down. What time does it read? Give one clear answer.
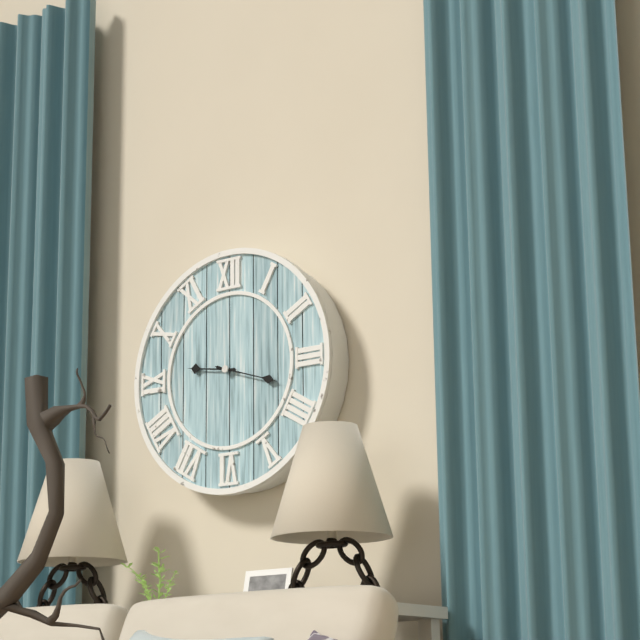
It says 9:18
